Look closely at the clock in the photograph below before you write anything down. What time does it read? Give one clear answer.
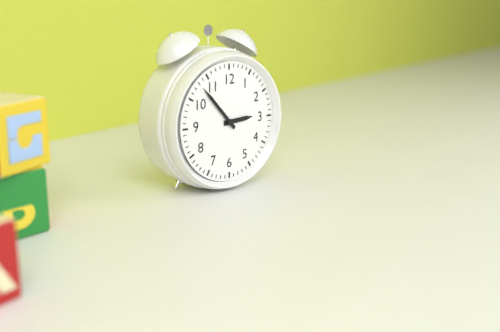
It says 2:53
